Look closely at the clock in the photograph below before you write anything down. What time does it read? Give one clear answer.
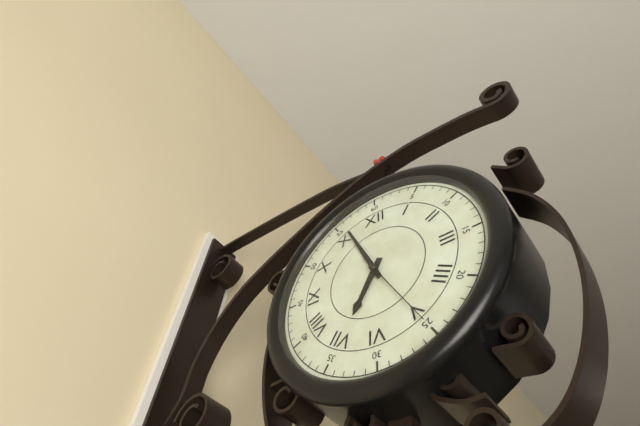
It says 6:56:25
